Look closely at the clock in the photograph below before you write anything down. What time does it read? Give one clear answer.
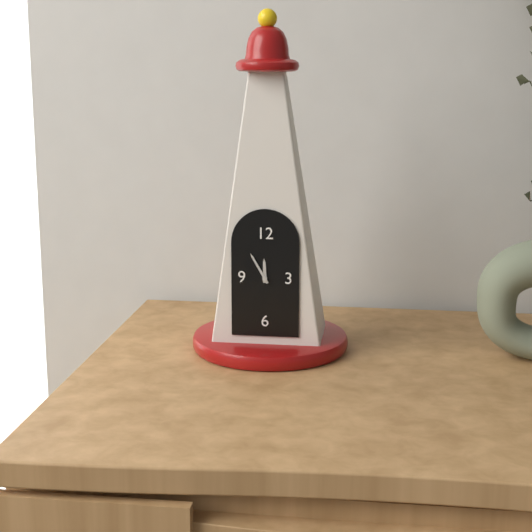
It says 11:55
